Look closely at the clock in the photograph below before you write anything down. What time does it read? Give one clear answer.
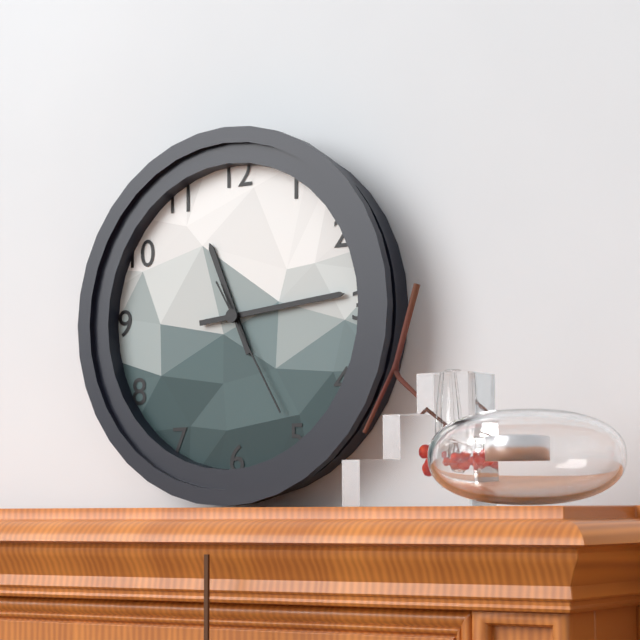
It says 11:14:25
